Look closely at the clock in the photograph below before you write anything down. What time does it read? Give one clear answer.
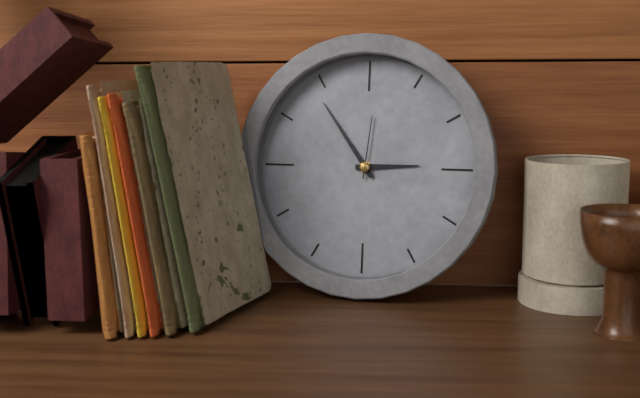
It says 2:54:01
